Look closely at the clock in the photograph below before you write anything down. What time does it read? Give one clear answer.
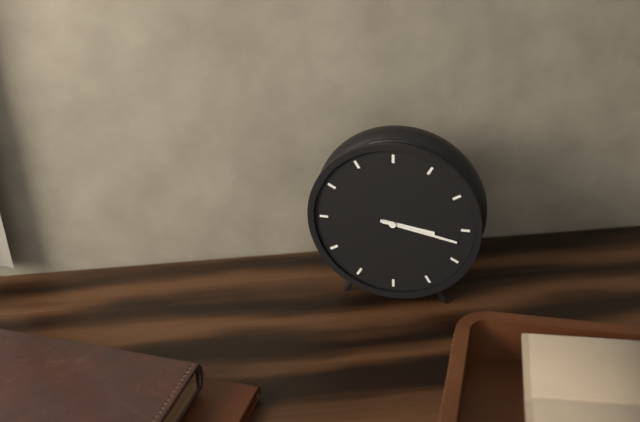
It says 3:17
